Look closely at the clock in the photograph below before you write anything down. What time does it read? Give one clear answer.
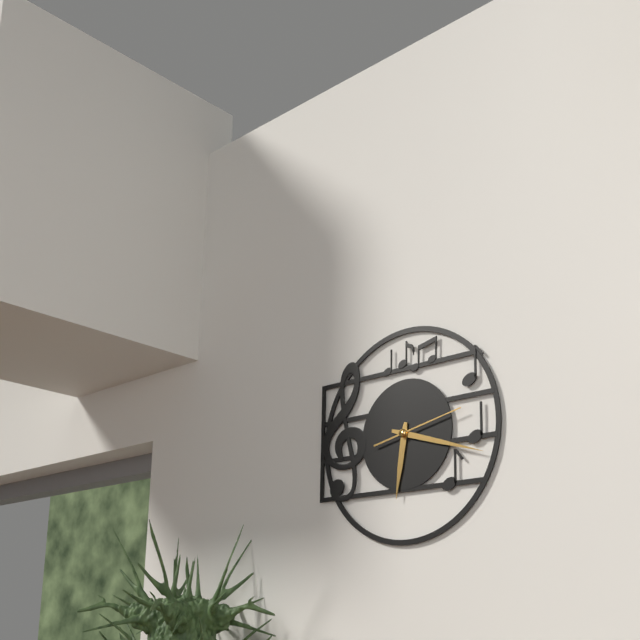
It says 6:18:13
